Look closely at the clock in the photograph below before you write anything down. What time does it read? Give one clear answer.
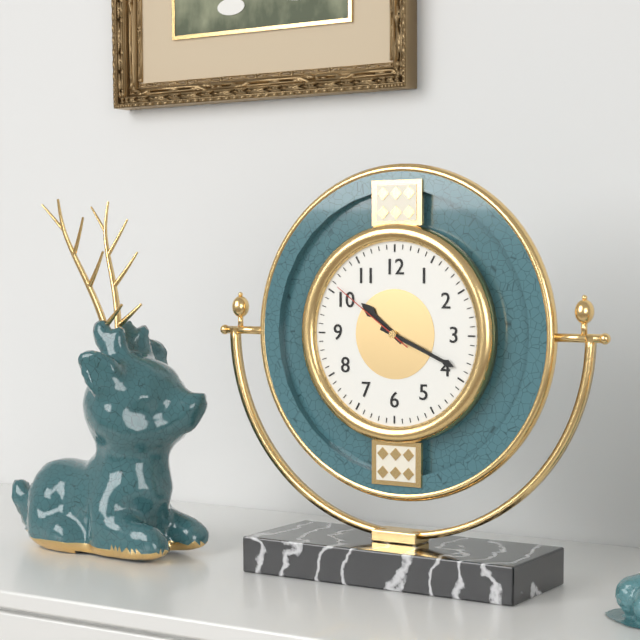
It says 10:19:51
